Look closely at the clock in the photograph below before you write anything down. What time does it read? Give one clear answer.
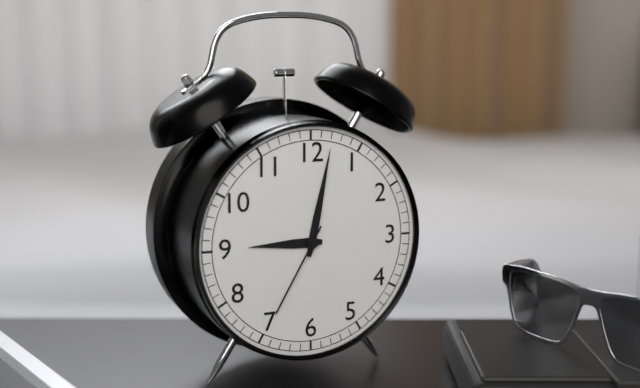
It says 9:02:35
